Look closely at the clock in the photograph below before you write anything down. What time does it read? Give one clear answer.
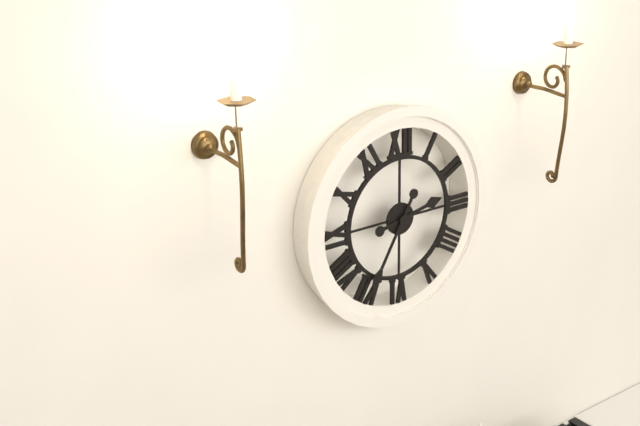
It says 2:35
